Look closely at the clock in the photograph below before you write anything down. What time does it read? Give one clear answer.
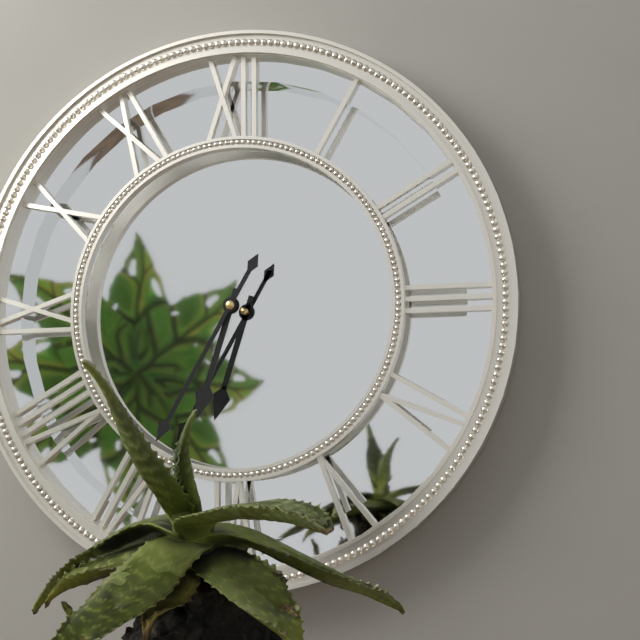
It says 6:35
